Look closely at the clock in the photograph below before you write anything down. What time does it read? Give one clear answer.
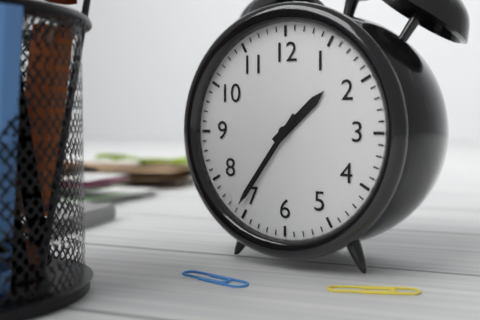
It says 1:36
